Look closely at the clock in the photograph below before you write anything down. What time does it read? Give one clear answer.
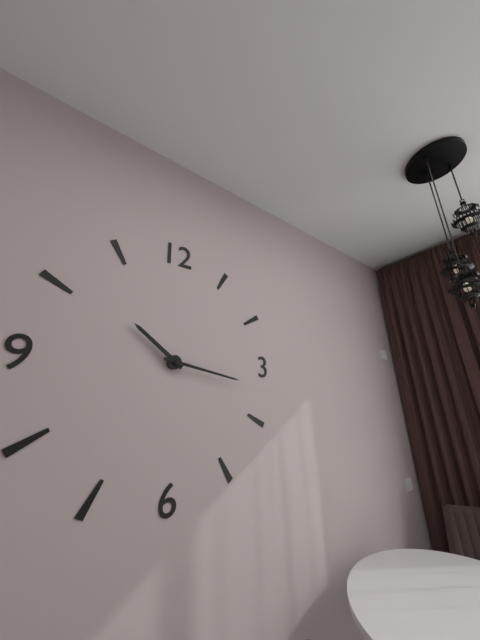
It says 10:17
